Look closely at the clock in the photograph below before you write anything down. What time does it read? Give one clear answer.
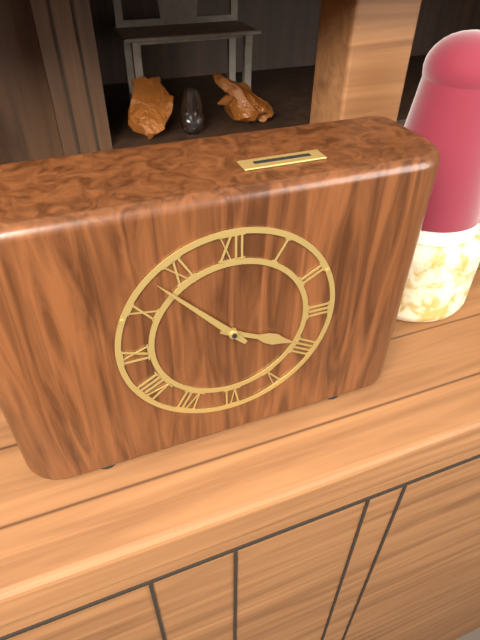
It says 3:53
